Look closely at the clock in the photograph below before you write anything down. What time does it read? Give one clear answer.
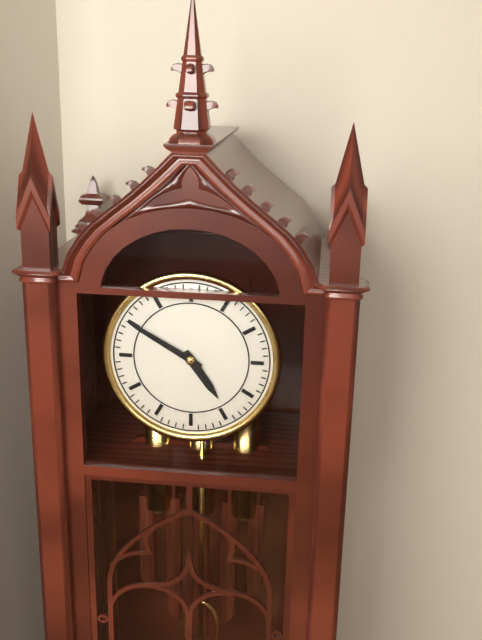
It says 4:50
